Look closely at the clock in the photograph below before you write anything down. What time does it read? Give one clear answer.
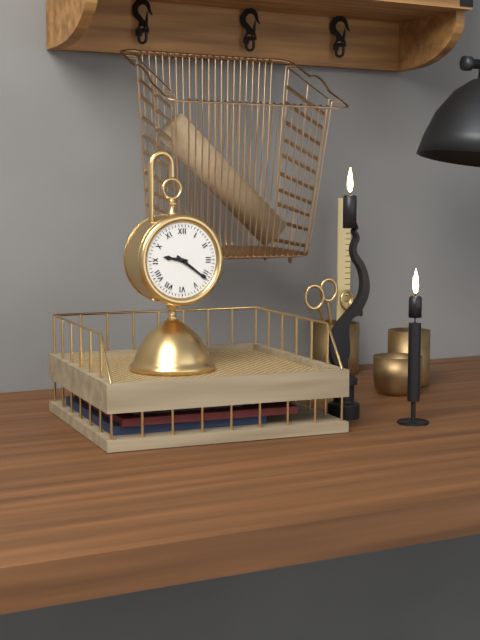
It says 9:21
